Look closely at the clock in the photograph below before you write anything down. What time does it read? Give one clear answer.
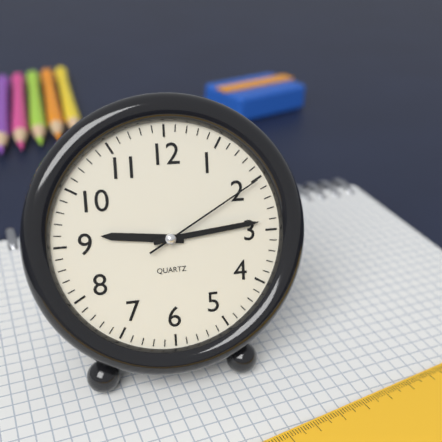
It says 9:14:10
